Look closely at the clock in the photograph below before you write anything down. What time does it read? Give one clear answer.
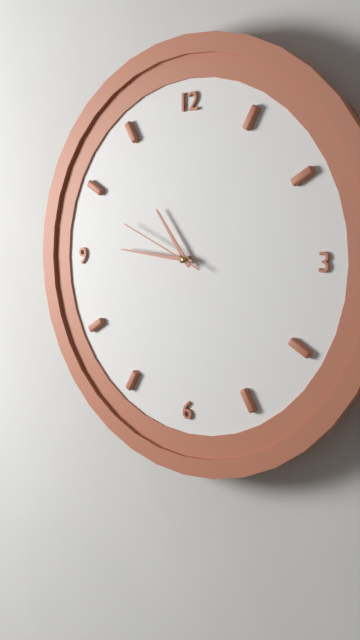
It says 10:46:49
